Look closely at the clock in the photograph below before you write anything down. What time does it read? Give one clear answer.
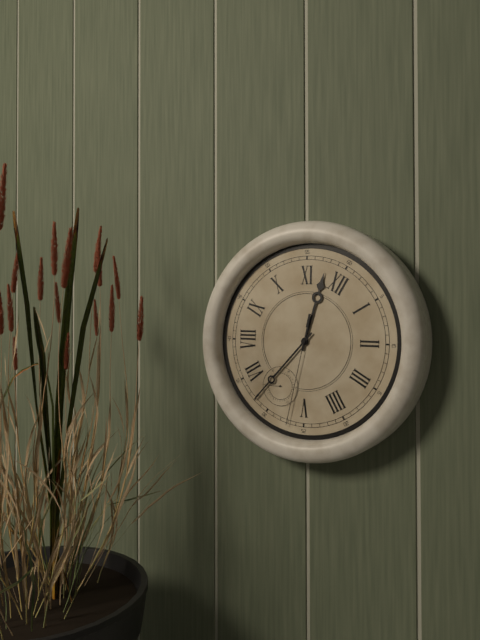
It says 11:32:27
